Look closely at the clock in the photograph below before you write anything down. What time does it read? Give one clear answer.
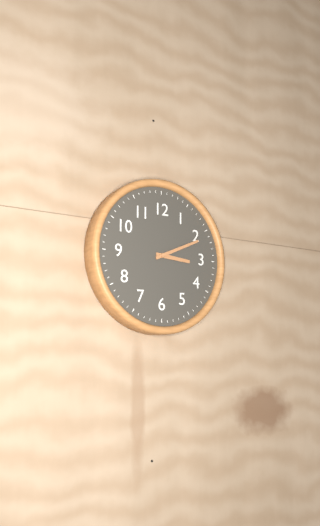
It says 3:11
